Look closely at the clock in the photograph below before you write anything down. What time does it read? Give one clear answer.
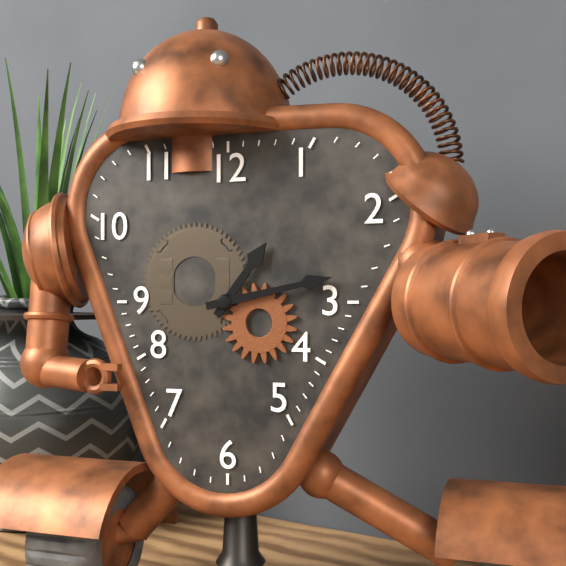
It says 1:13
